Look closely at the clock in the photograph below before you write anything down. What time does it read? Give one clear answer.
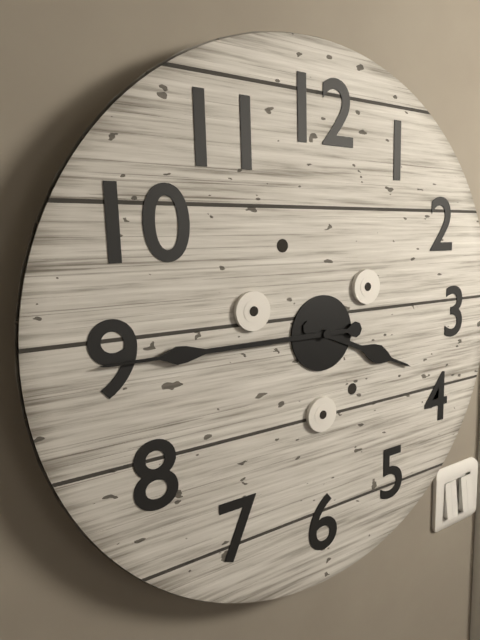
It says 3:45
